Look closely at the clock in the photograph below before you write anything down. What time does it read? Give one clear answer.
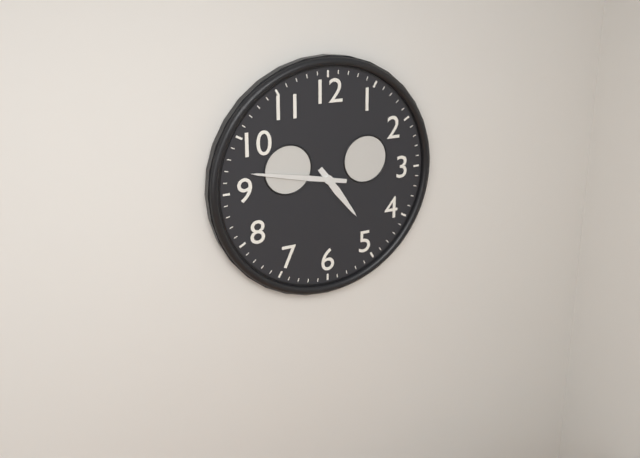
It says 4:47
